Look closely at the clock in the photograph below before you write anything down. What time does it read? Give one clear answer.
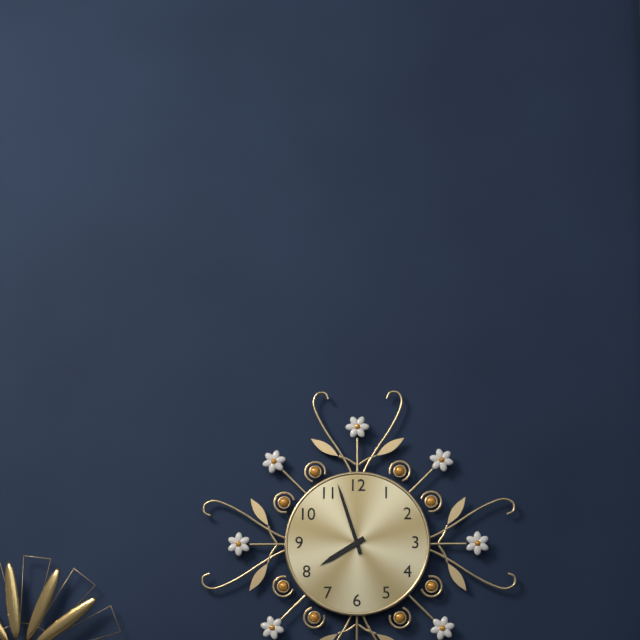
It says 7:57
